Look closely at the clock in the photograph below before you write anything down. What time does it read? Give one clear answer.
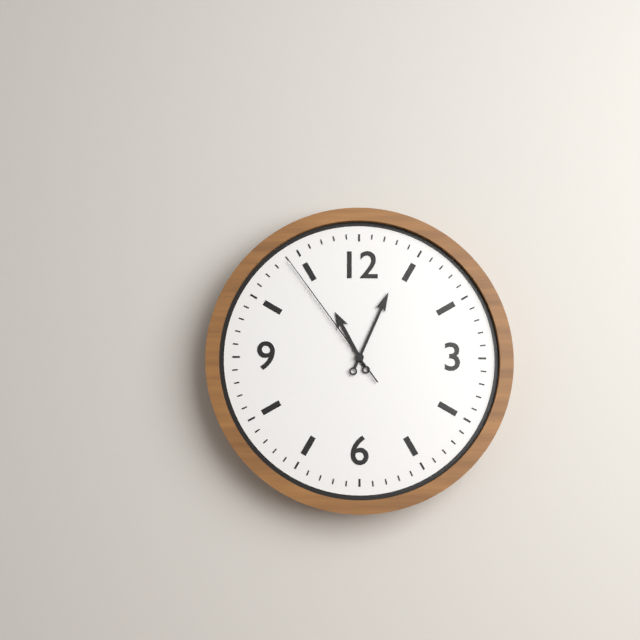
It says 11:04:54
